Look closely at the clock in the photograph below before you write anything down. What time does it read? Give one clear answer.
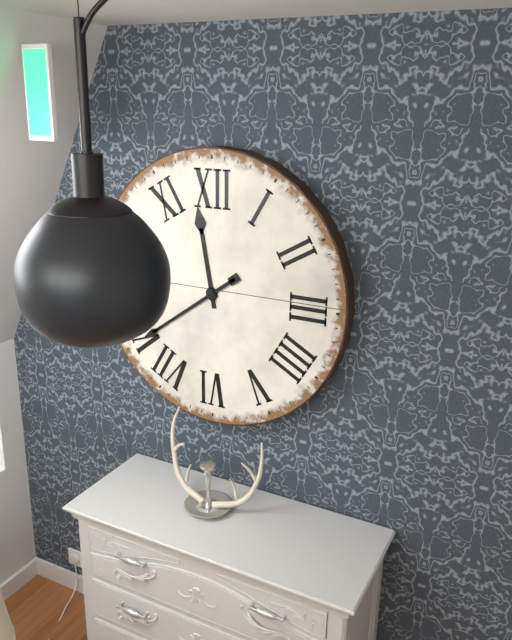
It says 11:39
